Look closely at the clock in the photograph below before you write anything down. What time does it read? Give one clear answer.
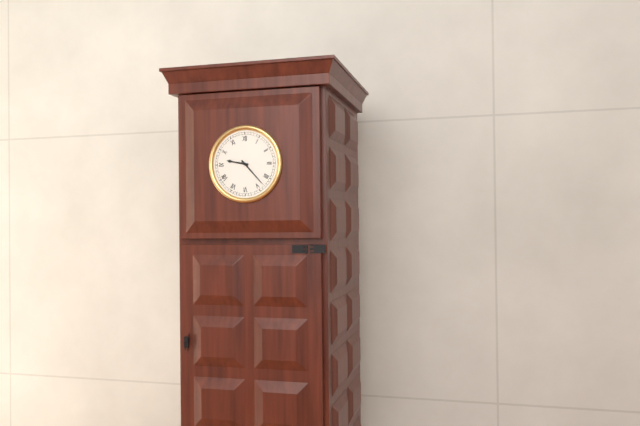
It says 9:23
